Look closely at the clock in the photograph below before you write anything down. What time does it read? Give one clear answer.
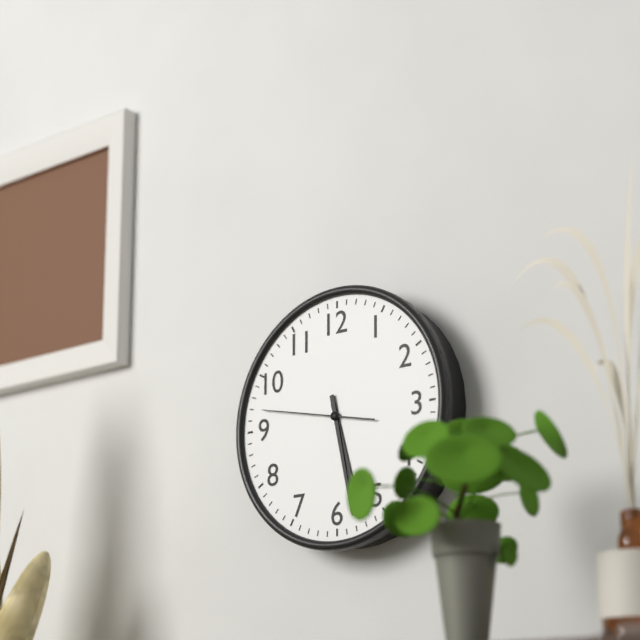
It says 5:28:47
